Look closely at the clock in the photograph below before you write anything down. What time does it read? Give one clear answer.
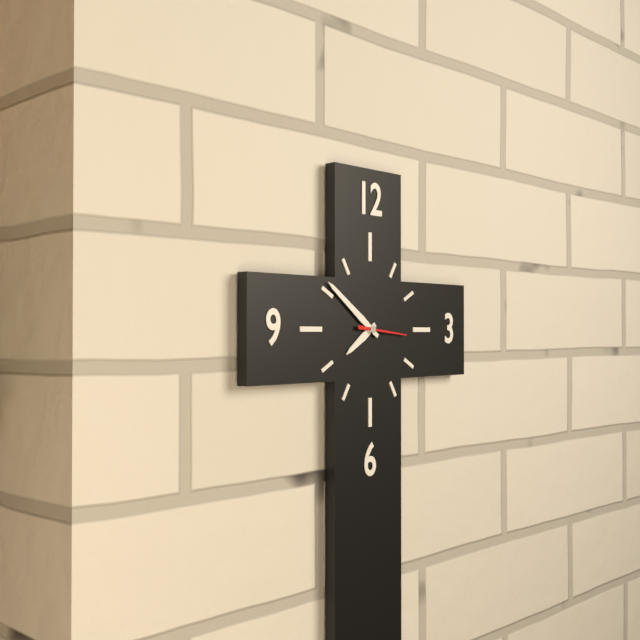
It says 7:51
